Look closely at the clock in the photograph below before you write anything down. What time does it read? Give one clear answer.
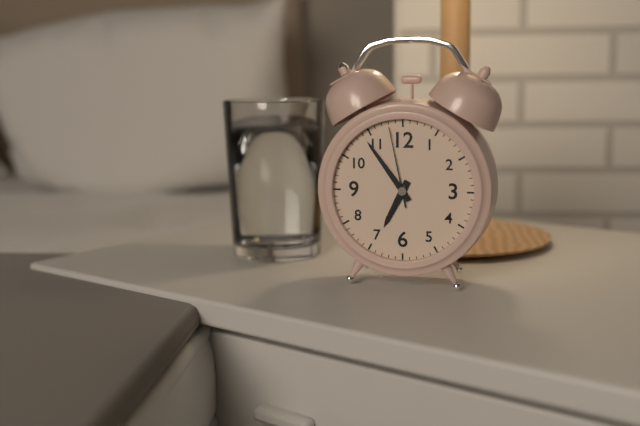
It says 6:54:58
